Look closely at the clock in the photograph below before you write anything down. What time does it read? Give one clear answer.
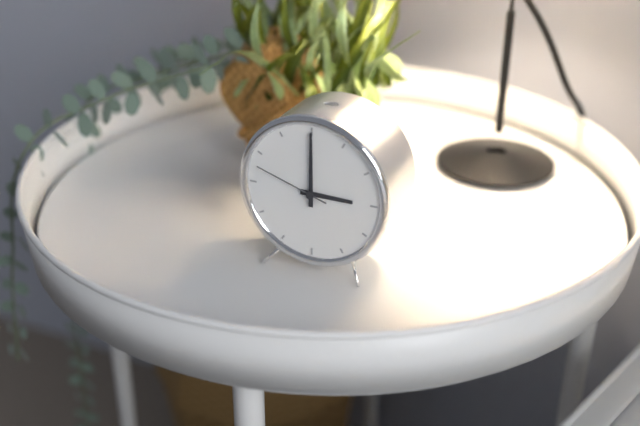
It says 3:00:48
